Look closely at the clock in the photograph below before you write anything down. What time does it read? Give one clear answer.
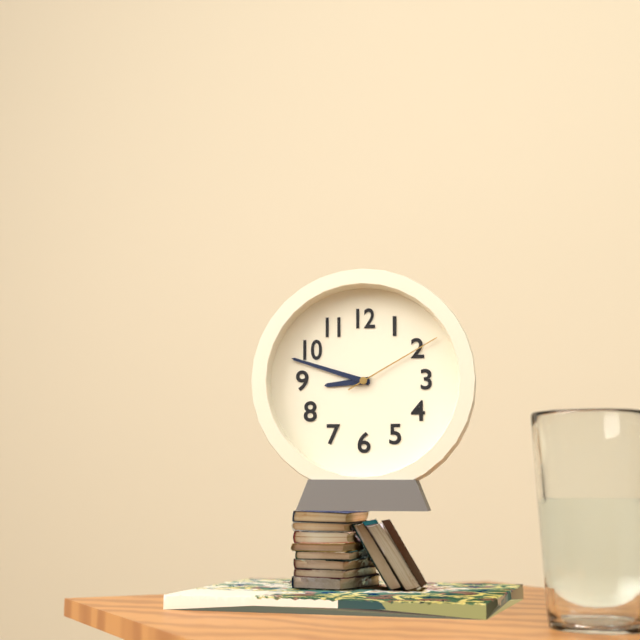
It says 8:48:10
